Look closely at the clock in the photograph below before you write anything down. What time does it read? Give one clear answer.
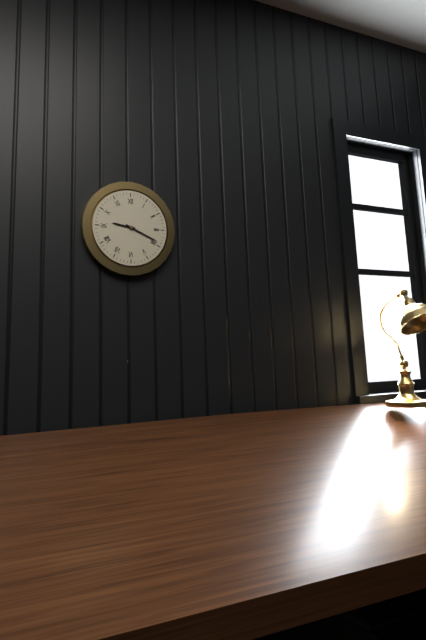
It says 9:19
